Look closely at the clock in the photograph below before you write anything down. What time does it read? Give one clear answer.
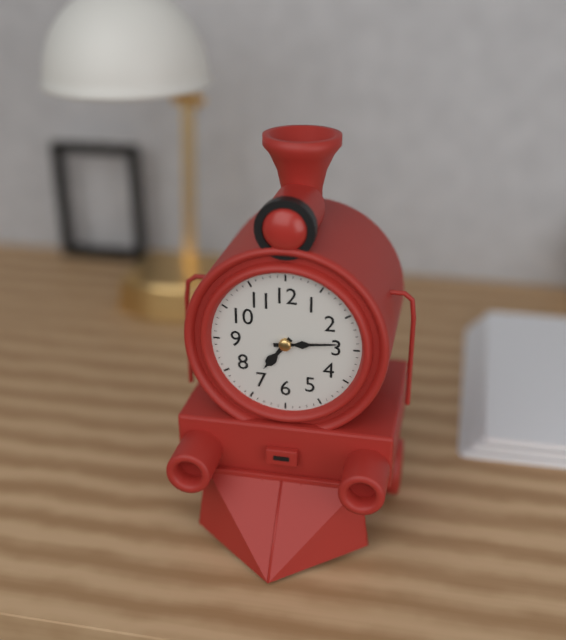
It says 7:14
